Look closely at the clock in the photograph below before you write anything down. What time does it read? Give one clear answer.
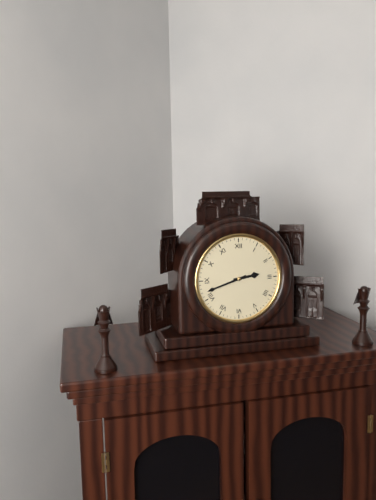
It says 2:42
